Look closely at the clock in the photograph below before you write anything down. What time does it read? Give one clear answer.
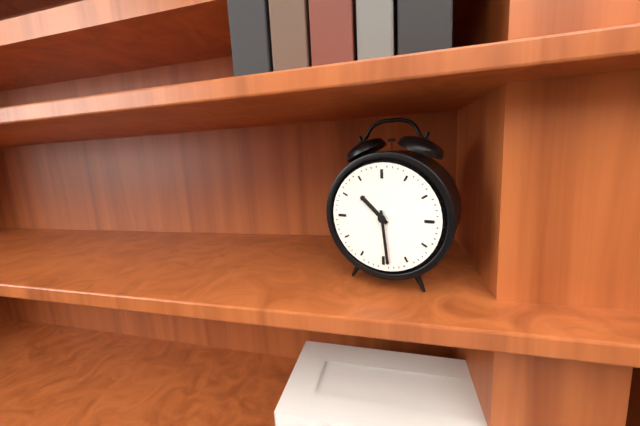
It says 10:29
